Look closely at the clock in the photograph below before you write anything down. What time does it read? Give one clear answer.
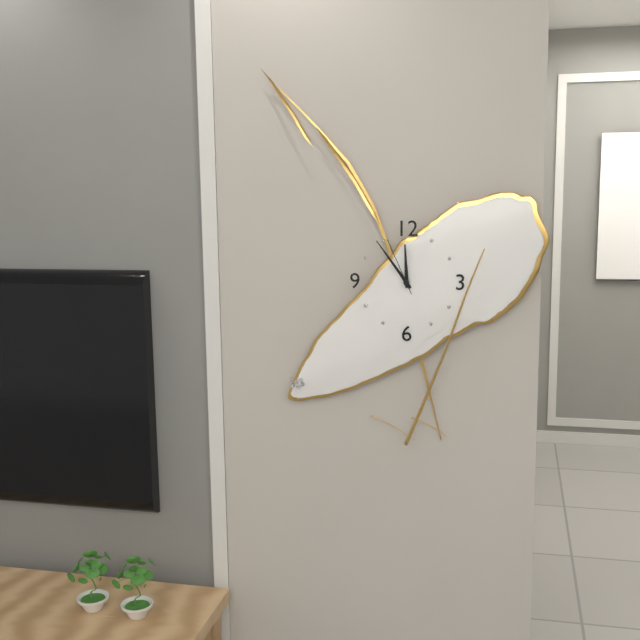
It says 11:54:56
